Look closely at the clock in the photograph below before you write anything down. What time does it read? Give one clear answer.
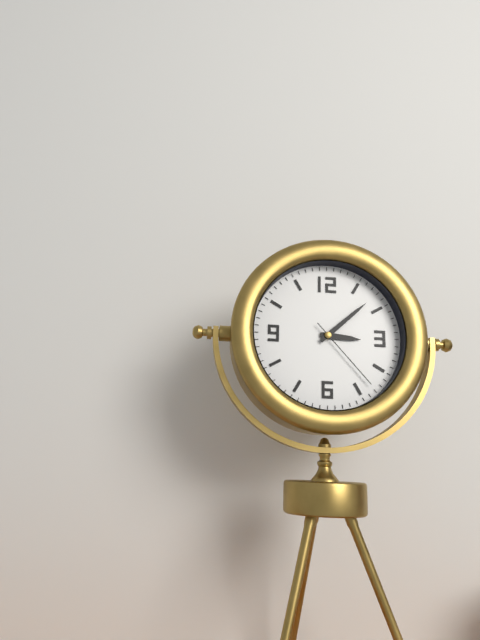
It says 3:08:23
